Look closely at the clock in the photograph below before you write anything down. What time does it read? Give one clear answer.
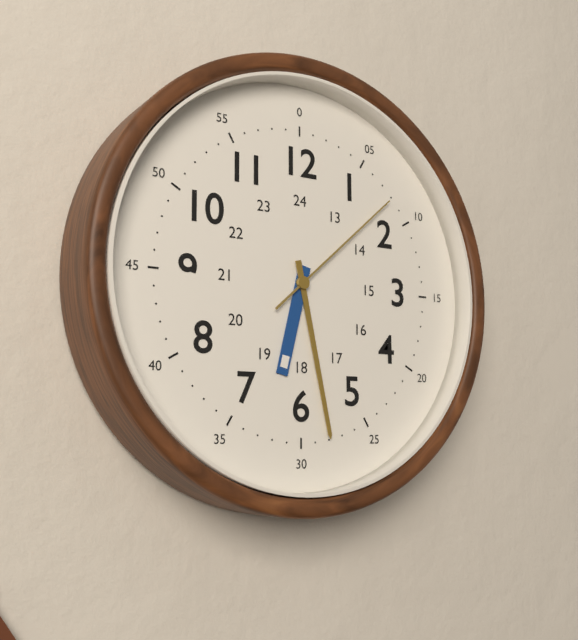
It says 6:28:08
